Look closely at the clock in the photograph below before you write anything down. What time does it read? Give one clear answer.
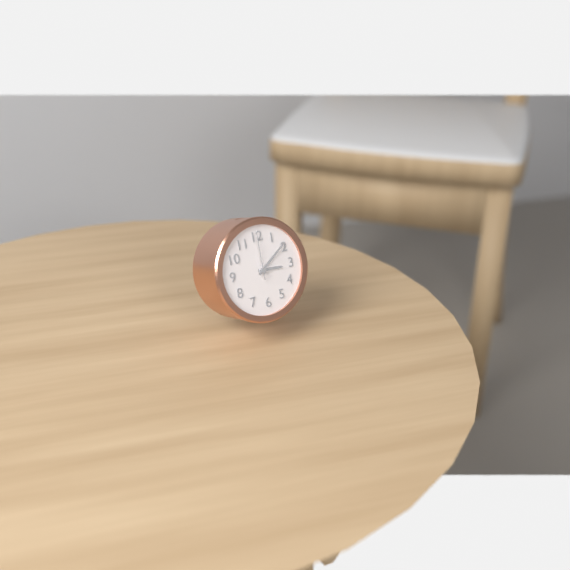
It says 3:09
